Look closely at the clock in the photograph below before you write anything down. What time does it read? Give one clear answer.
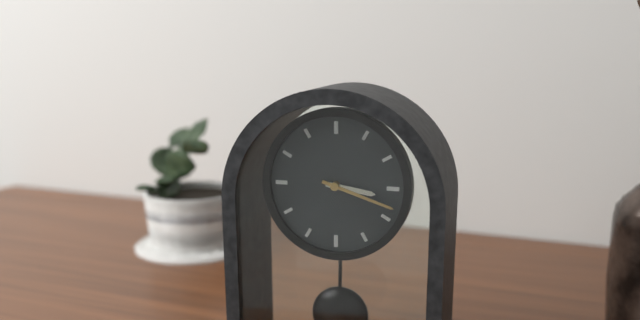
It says 3:18
